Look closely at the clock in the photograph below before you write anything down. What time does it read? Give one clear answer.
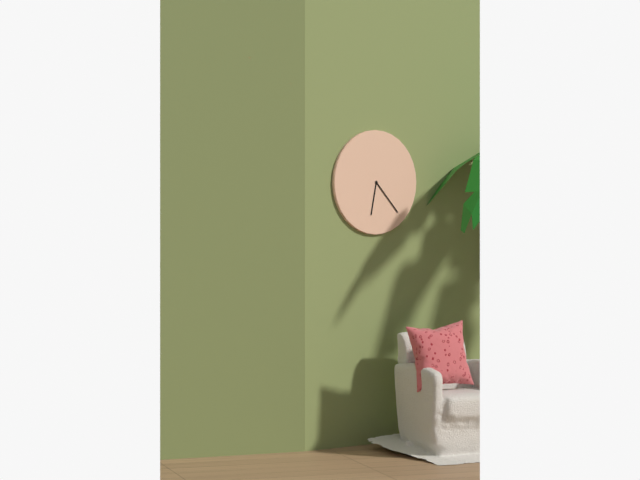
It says 6:23
